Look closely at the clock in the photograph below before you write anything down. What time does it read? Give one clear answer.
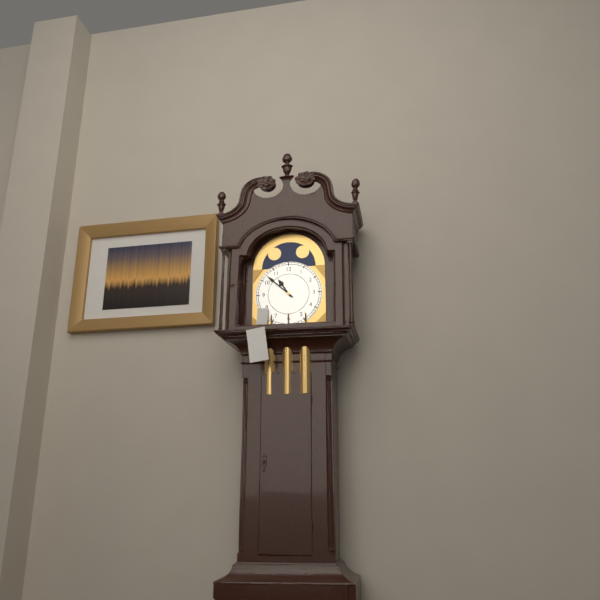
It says 10:52
